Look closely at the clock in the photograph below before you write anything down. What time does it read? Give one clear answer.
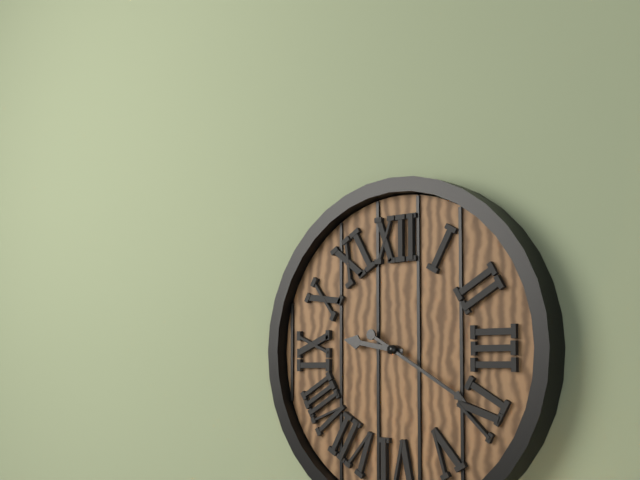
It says 9:20
